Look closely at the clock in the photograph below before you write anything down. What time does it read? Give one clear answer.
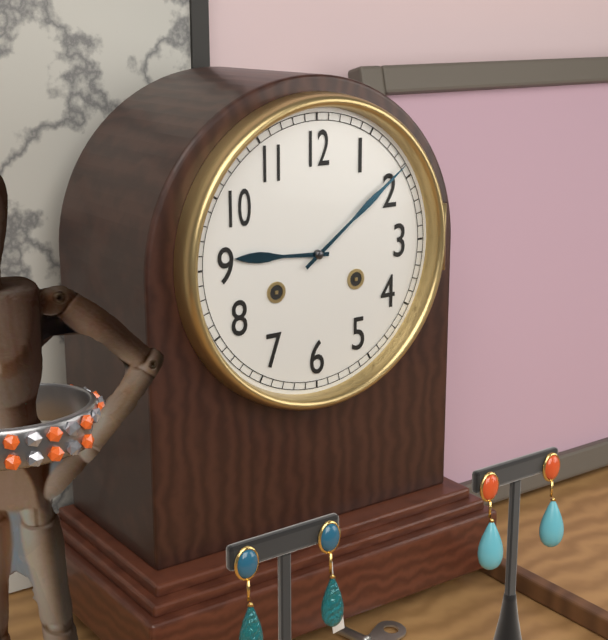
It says 9:09
